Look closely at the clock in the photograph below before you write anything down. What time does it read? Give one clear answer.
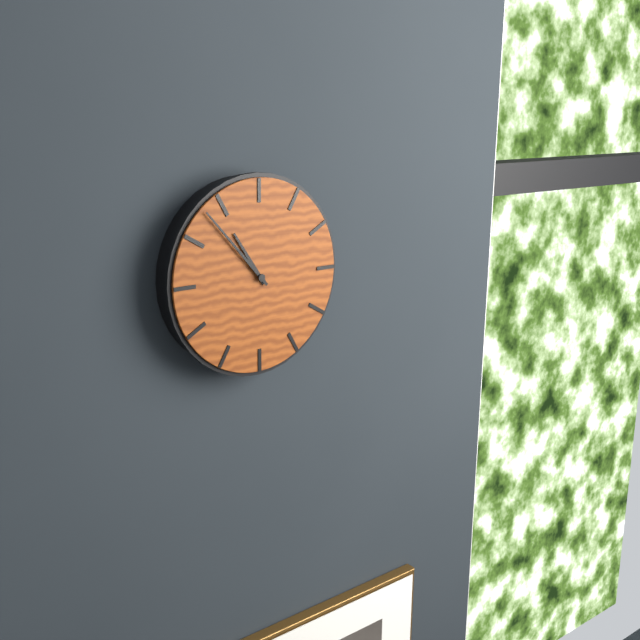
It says 10:53
